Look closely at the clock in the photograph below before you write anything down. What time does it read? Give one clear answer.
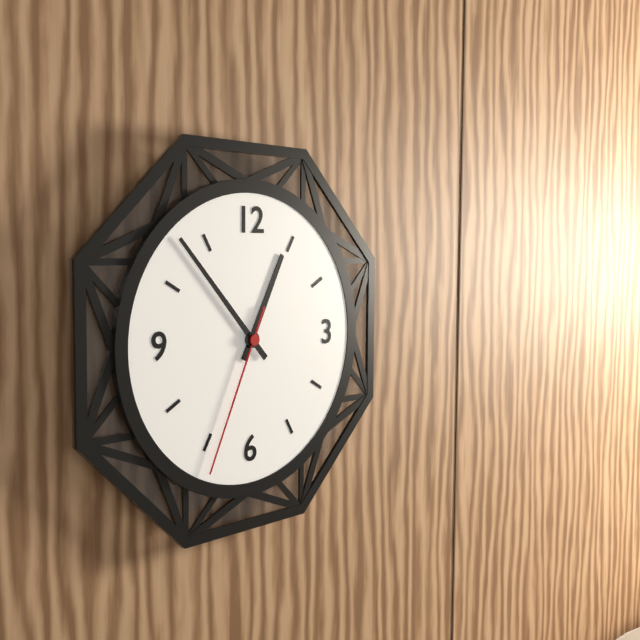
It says 12:53:34
